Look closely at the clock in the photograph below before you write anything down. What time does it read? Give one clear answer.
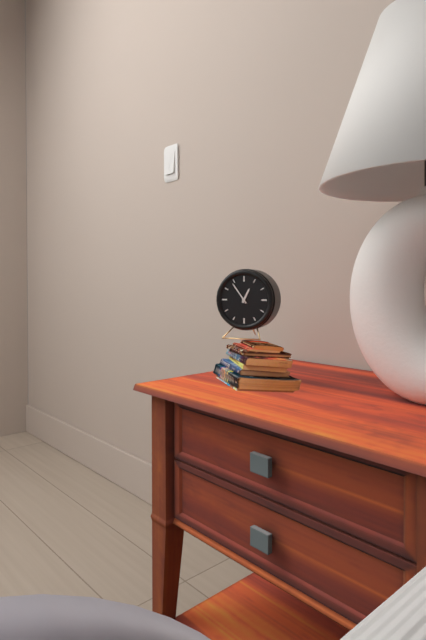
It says 12:54
